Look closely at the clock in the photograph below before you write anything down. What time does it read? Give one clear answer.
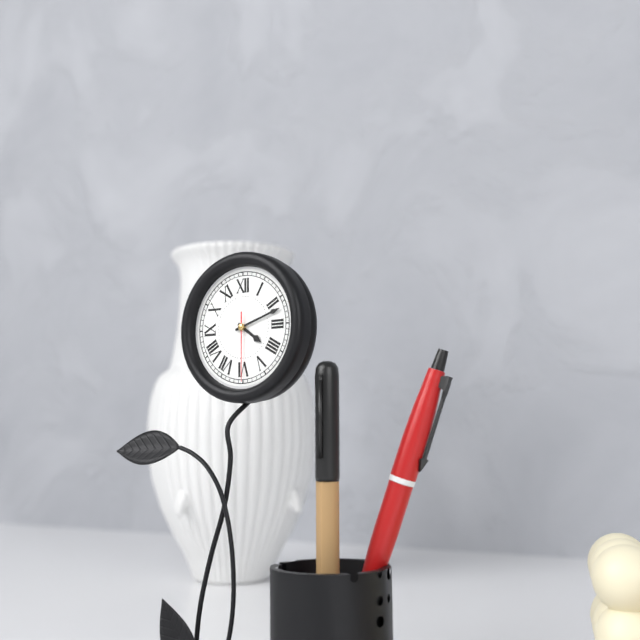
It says 4:12:30
